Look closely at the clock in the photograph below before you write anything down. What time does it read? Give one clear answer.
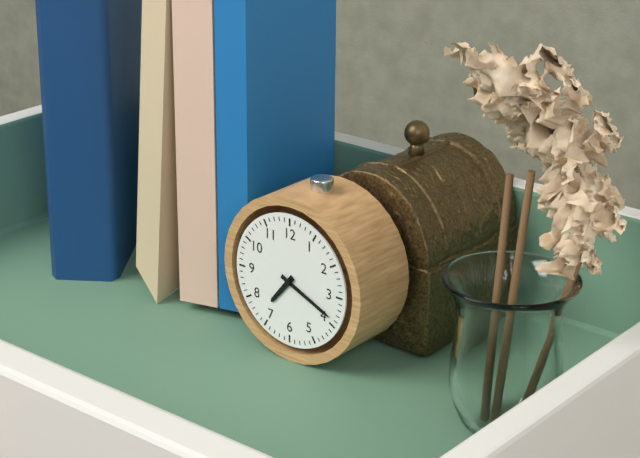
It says 7:19
